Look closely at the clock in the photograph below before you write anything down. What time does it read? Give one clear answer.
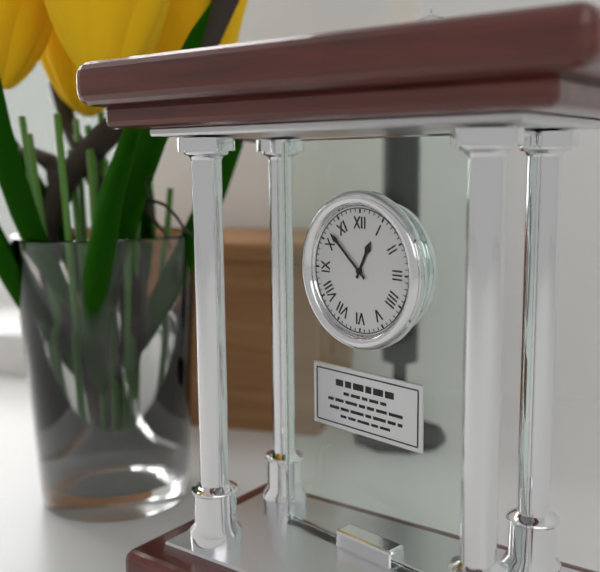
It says 12:52
